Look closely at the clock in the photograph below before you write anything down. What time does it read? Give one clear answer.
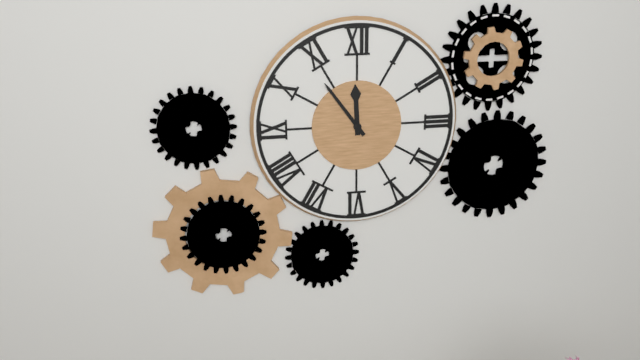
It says 11:54
